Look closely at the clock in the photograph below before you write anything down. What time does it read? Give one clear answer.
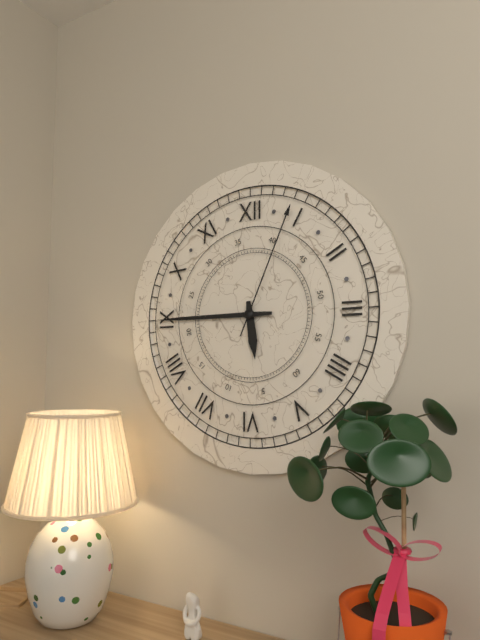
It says 5:45:04
